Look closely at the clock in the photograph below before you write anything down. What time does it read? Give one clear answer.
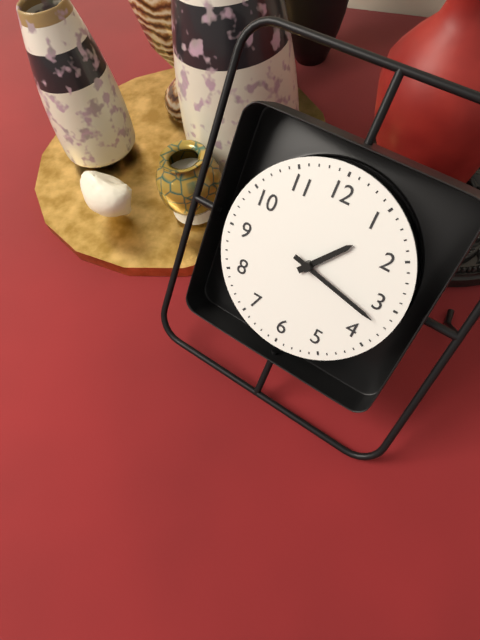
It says 1:17
